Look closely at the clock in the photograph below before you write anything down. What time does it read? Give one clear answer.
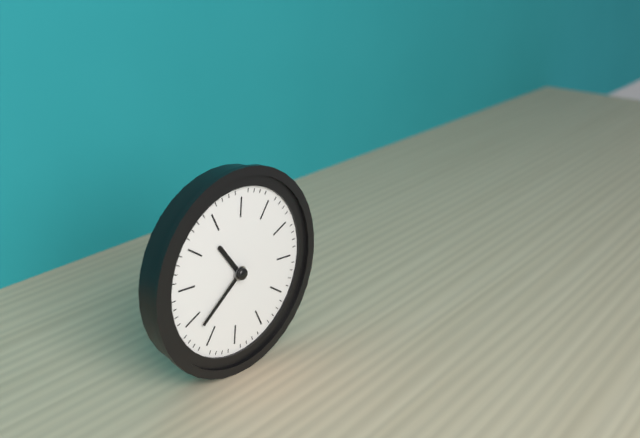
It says 10:38
